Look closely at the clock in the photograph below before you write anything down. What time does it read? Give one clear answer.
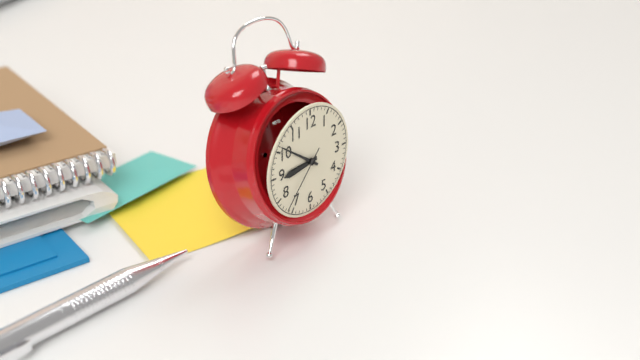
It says 8:51:37
